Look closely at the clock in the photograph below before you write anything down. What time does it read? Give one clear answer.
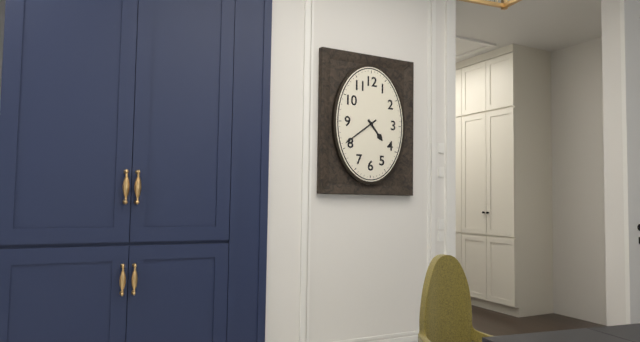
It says 4:39
